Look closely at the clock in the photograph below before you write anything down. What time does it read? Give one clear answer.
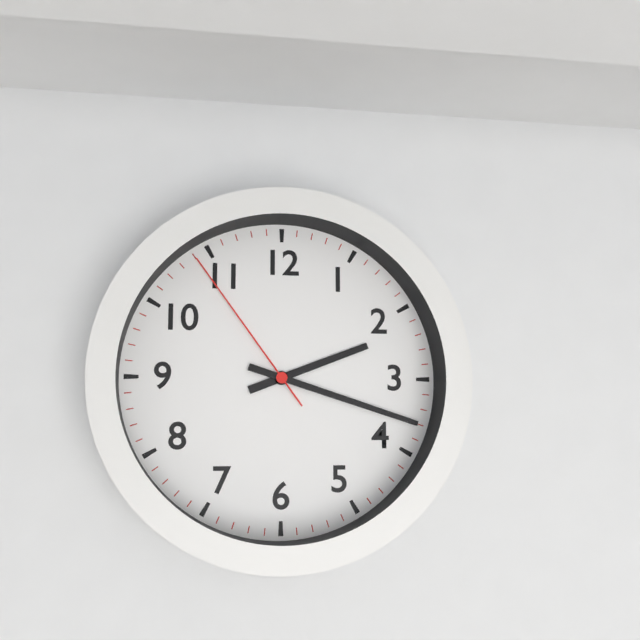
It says 2:18:54
